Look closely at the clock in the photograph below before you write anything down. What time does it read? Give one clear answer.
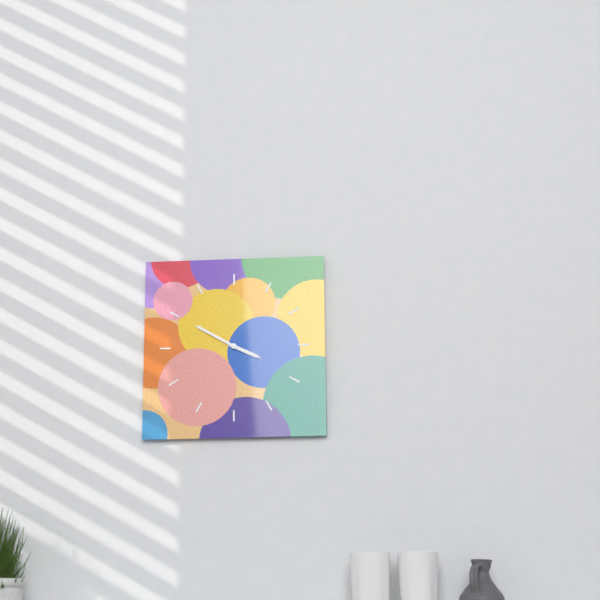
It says 3:50
